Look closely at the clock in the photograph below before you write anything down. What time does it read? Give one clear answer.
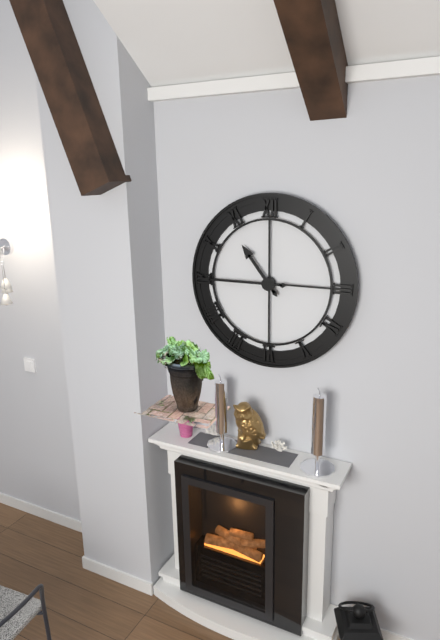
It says 10:45
